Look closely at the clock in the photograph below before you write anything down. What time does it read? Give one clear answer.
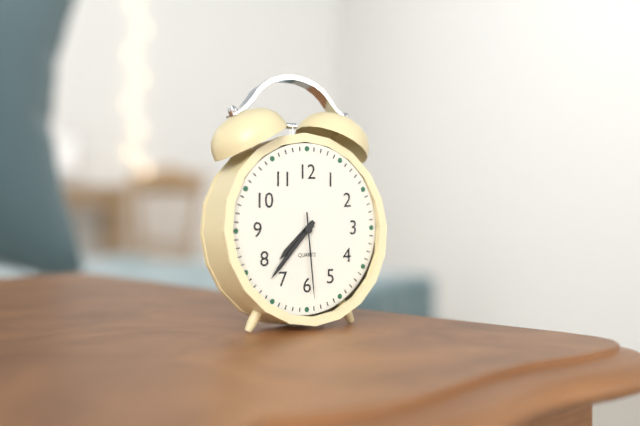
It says 7:37:29
